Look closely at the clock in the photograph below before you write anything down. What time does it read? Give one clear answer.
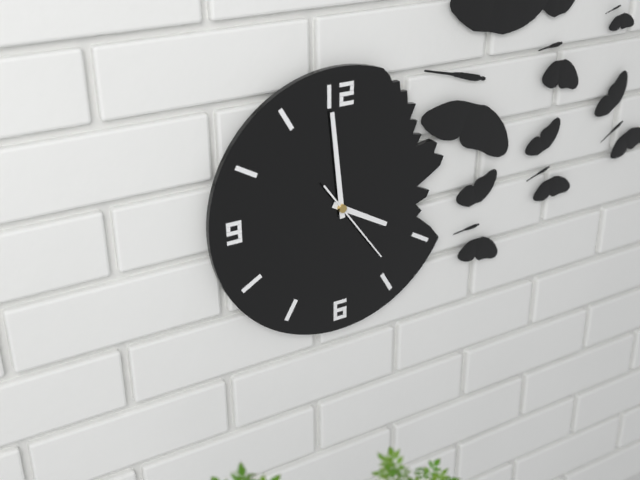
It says 3:59:24
